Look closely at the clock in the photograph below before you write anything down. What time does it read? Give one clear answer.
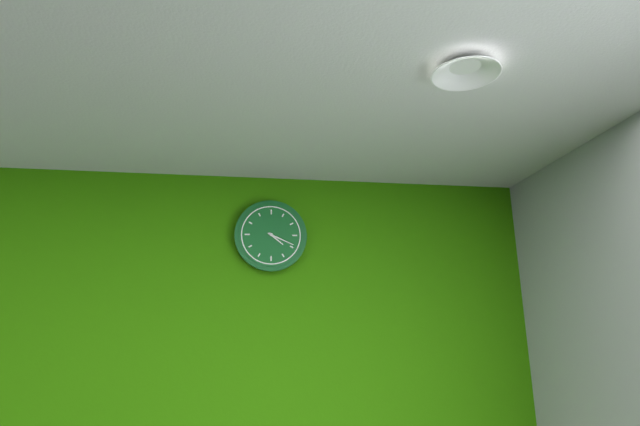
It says 4:19
